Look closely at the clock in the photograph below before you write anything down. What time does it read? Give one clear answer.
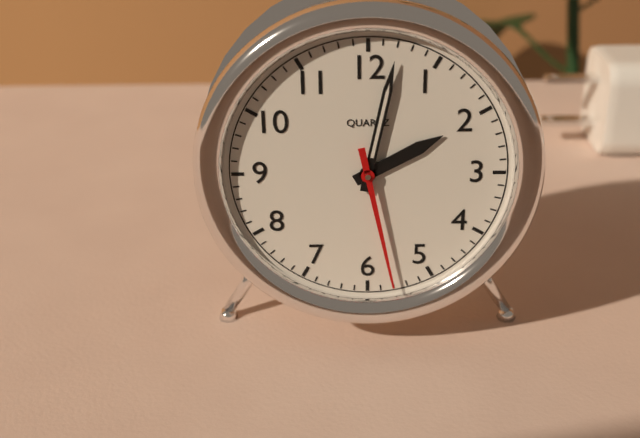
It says 2:02:28
